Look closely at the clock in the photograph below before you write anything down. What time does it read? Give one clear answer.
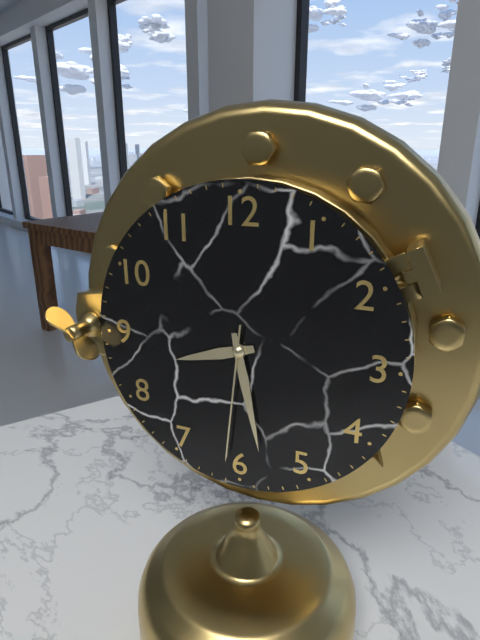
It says 8:28:31
